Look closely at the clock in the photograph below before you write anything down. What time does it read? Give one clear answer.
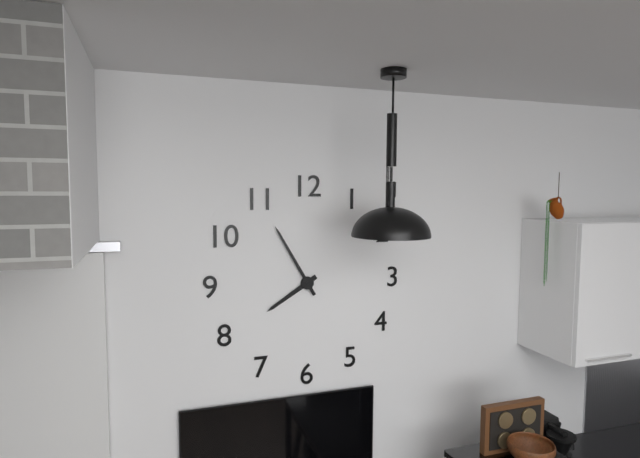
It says 7:55
